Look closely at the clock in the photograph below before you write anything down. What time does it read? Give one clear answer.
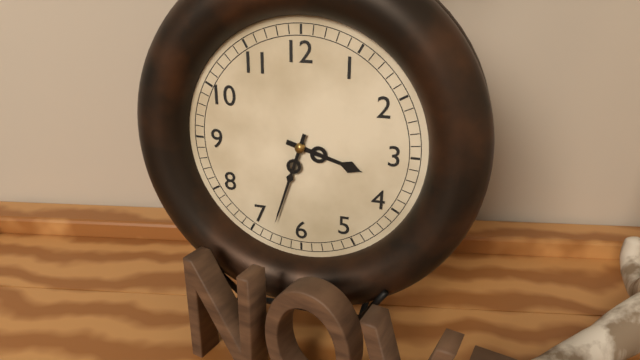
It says 3:33
